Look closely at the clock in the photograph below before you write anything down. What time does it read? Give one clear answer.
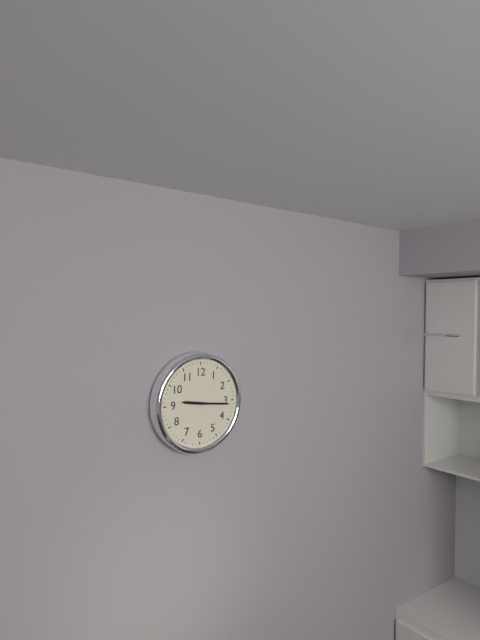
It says 9:16
